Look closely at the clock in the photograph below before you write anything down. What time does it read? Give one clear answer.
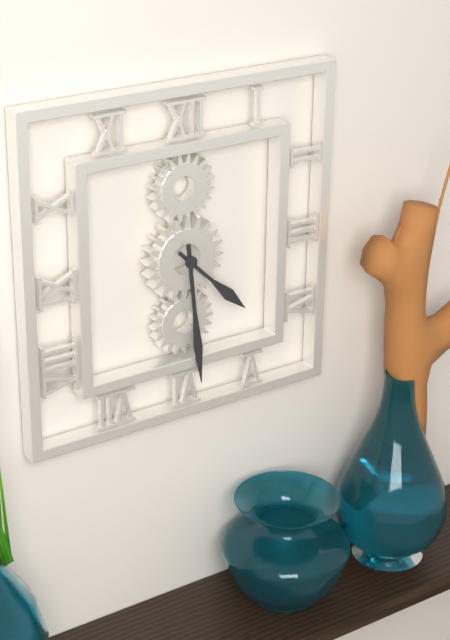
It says 4:29
